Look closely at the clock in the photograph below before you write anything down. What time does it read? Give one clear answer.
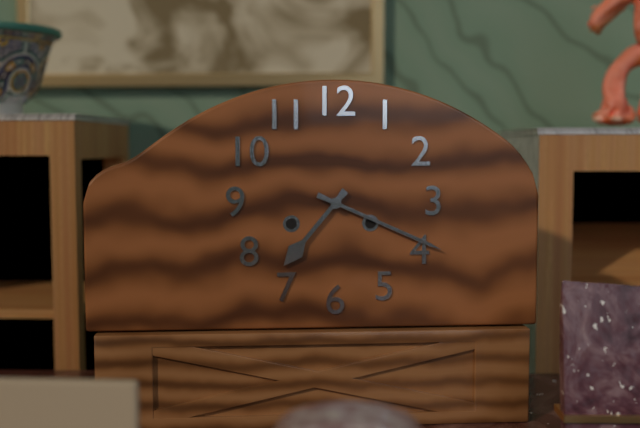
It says 7:19
